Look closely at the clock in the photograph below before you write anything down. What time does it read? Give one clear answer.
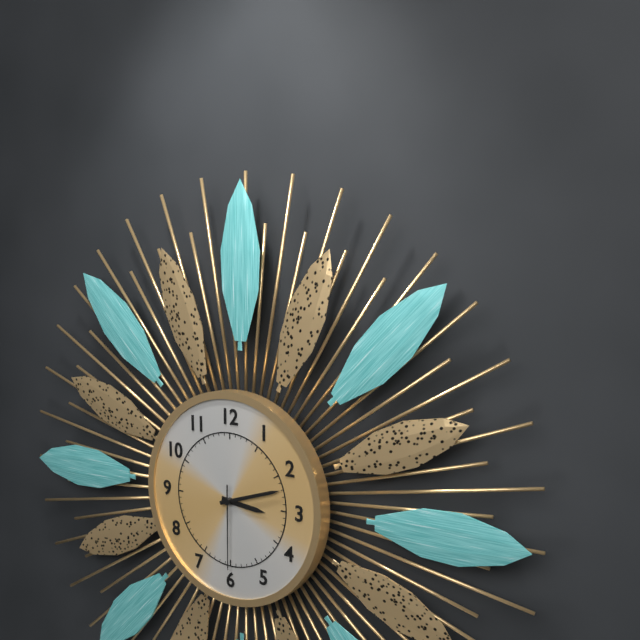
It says 3:12:30
